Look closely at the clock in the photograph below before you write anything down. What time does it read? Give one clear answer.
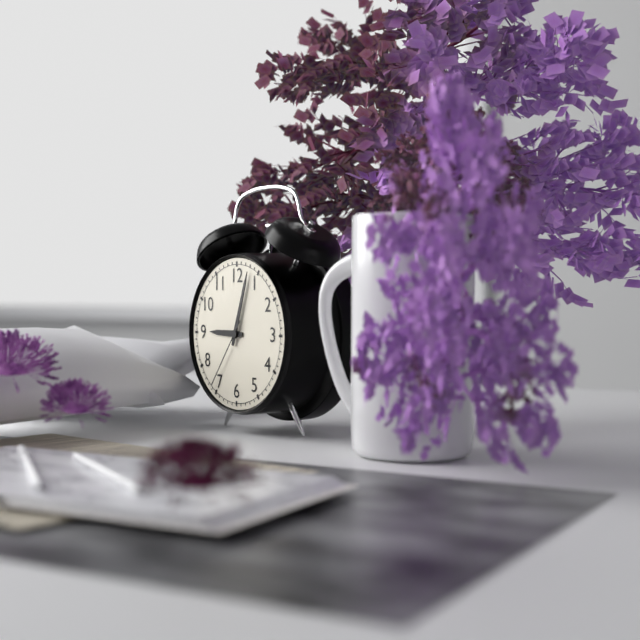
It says 9:03:36
